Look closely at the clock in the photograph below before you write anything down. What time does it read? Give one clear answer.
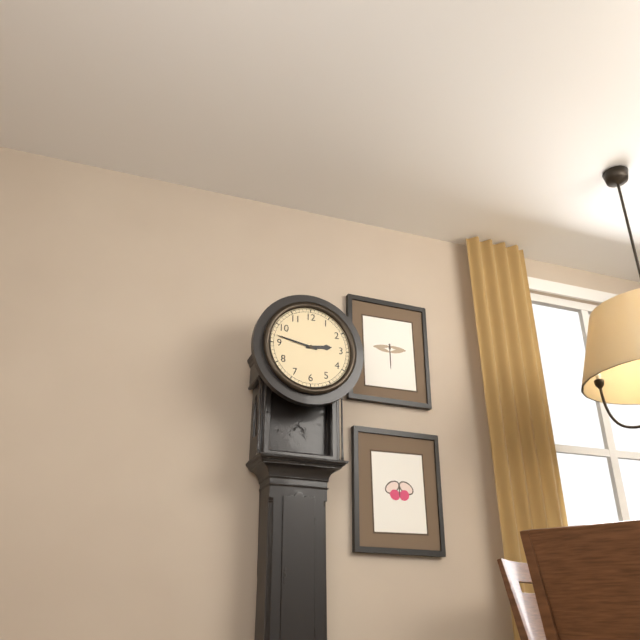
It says 2:47
